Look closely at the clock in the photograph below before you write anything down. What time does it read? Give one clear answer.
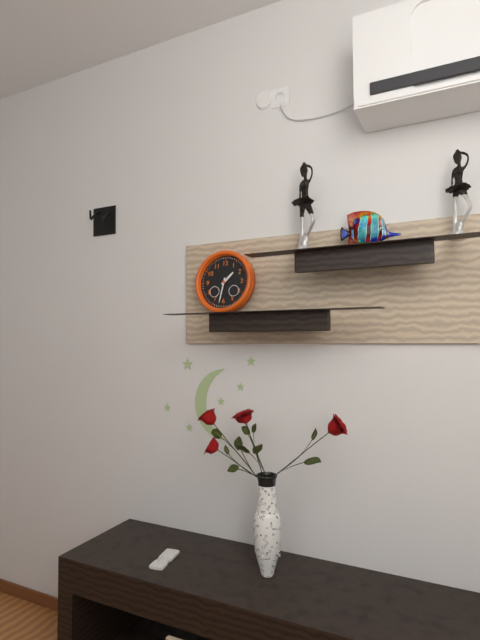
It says 1:32
